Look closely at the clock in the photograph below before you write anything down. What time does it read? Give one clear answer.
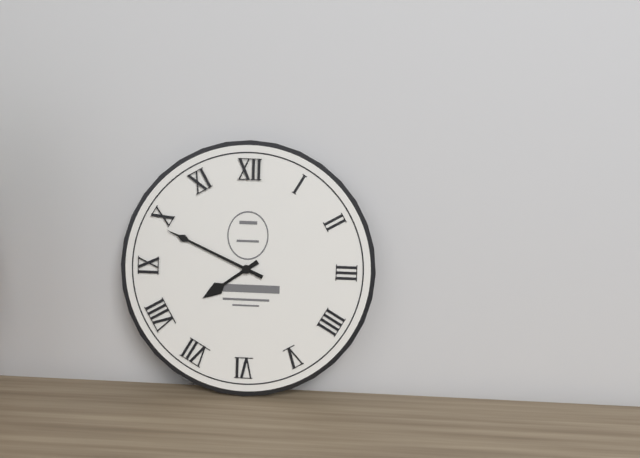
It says 7:49
